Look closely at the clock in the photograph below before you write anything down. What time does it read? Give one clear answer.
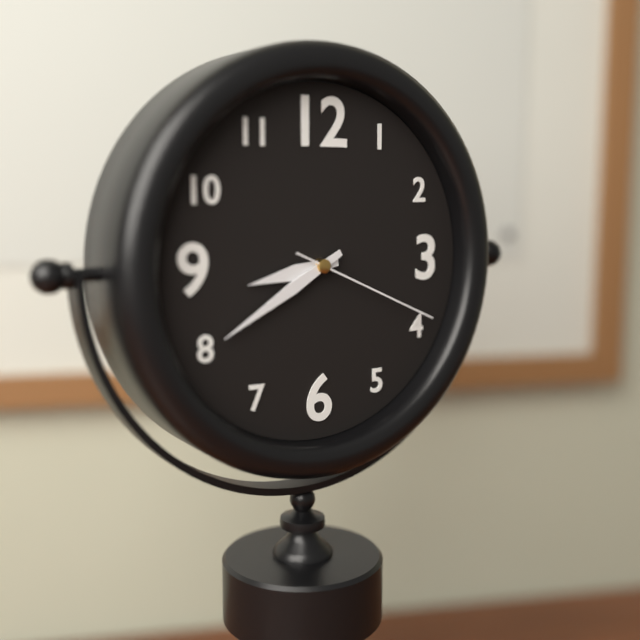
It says 8:40:19
